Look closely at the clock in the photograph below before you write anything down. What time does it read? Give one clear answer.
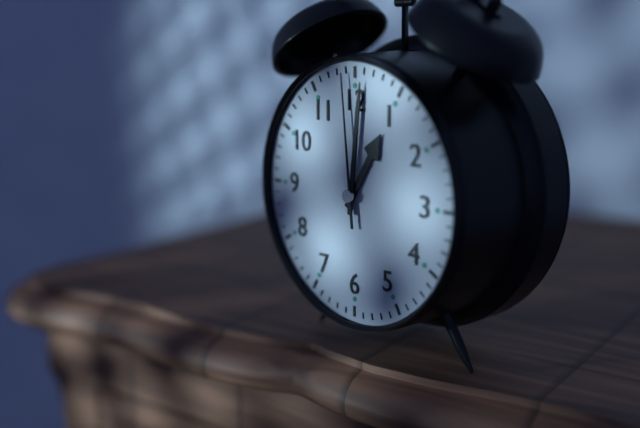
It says 1:01:59
